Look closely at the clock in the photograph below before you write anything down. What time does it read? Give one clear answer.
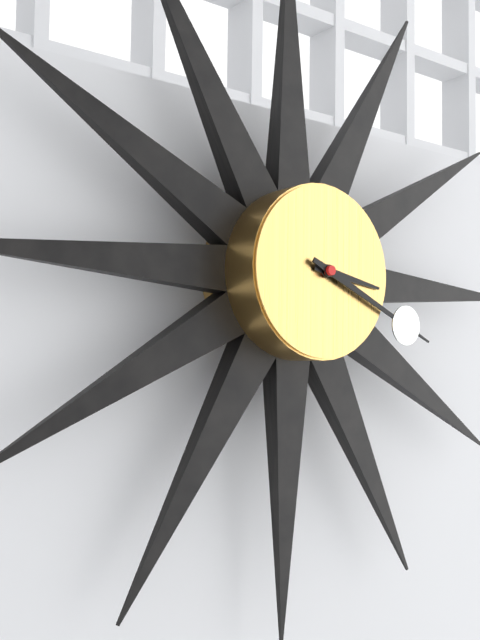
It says 3:19
